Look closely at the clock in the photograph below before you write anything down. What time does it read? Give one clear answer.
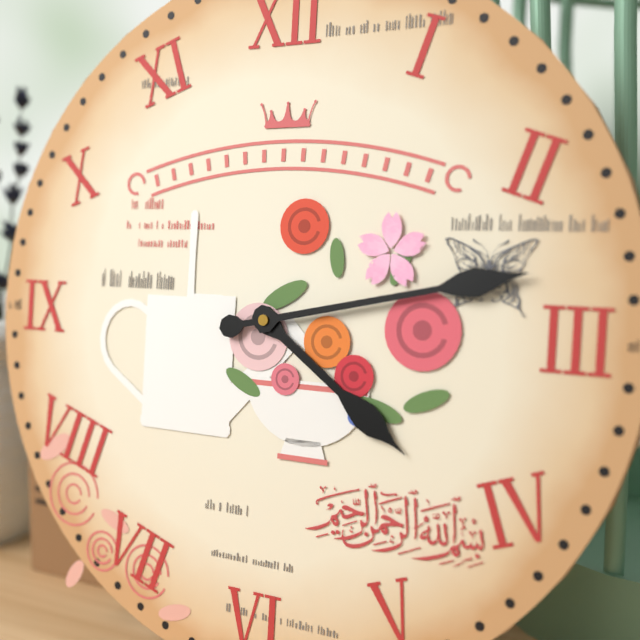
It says 4:13
